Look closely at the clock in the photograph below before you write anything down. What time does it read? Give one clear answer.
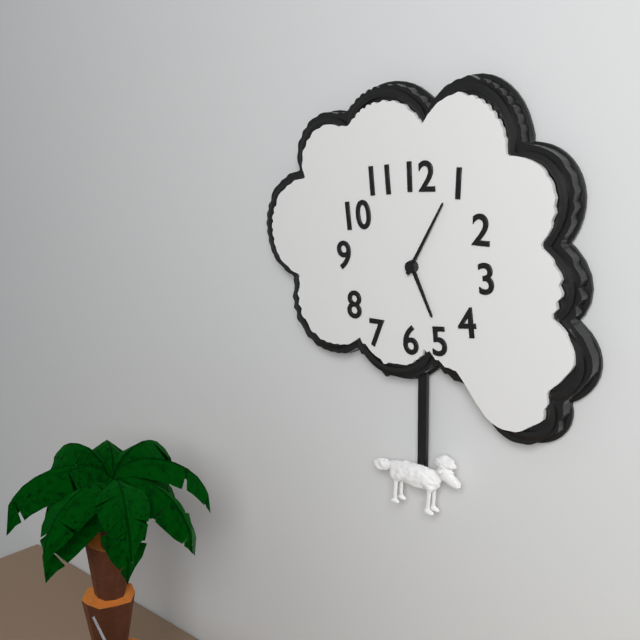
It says 5:05
